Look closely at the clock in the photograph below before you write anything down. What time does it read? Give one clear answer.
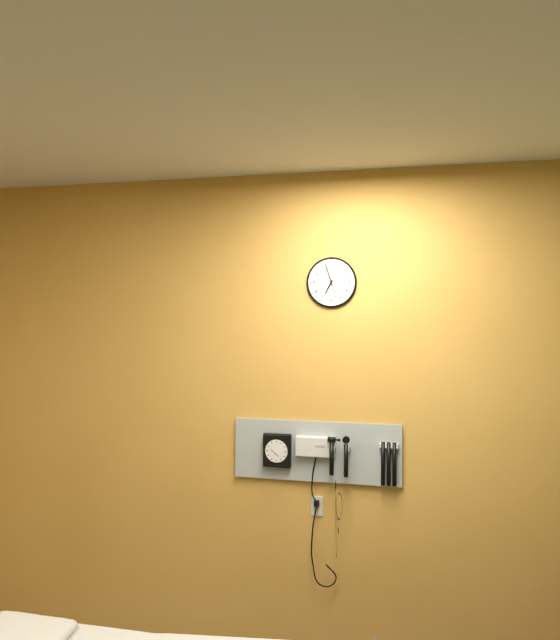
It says 6:57
